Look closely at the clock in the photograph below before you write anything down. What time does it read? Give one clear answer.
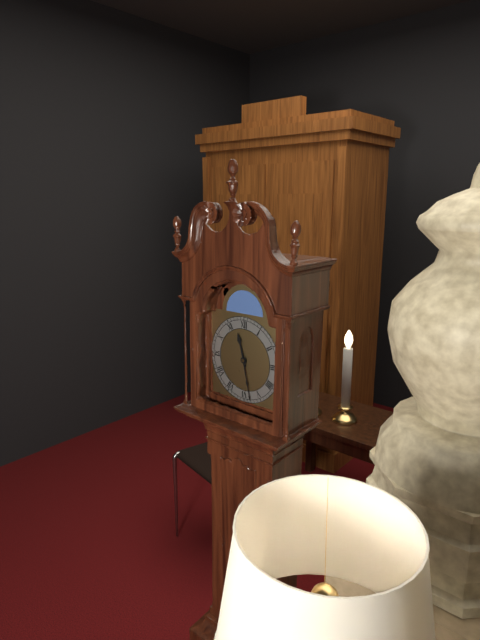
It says 11:28
